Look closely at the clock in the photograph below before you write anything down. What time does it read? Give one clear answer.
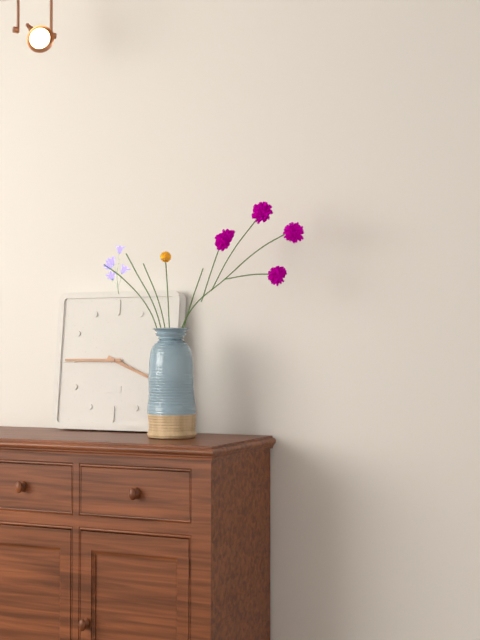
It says 3:45
